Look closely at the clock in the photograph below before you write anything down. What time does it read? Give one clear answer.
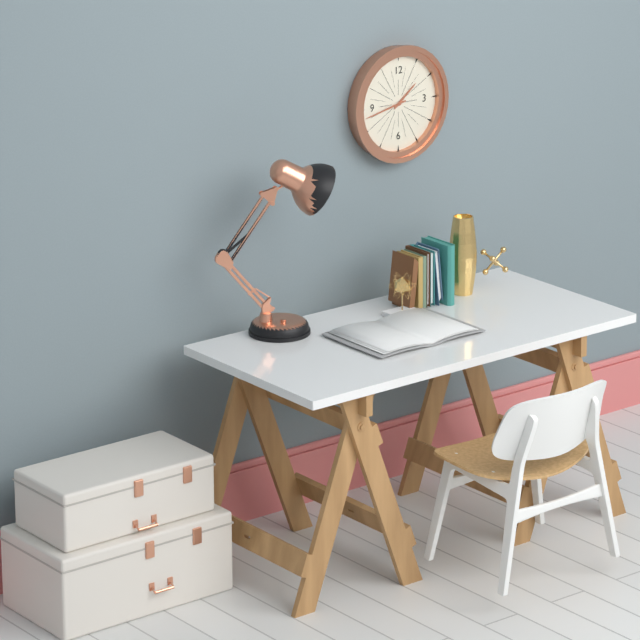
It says 1:43
